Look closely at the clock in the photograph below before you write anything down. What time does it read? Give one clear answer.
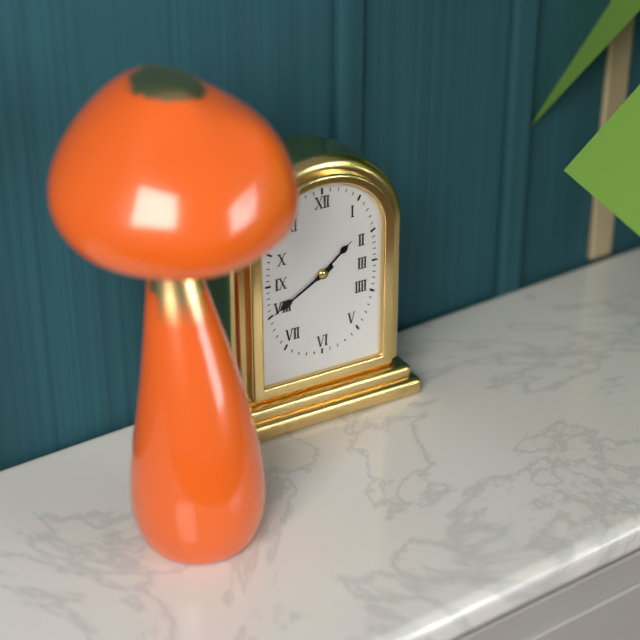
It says 1:40
